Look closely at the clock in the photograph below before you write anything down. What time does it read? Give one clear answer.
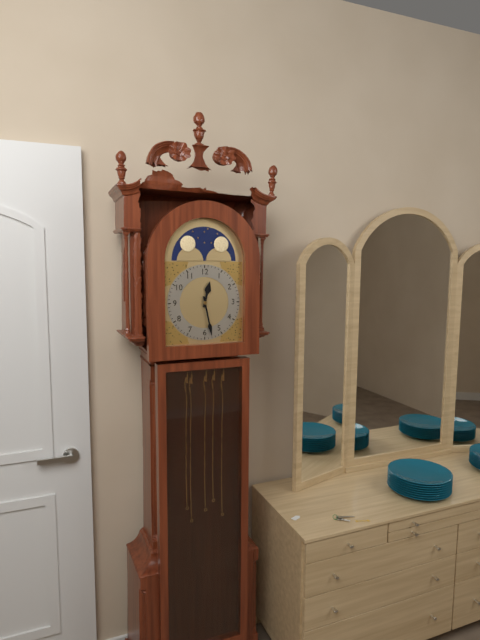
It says 12:28
